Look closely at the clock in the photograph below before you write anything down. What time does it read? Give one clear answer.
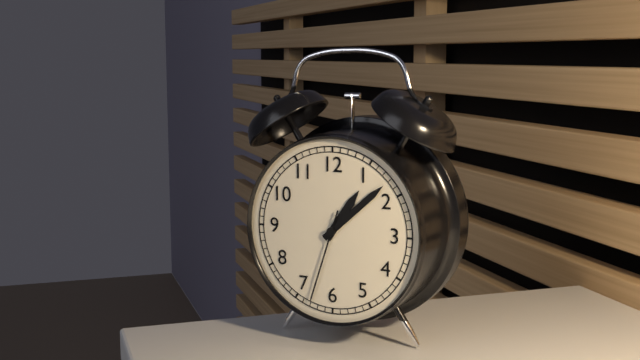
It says 1:08:33
